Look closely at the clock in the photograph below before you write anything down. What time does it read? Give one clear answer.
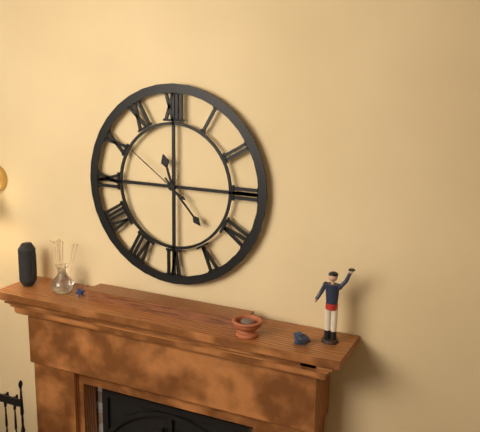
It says 11:23:51
